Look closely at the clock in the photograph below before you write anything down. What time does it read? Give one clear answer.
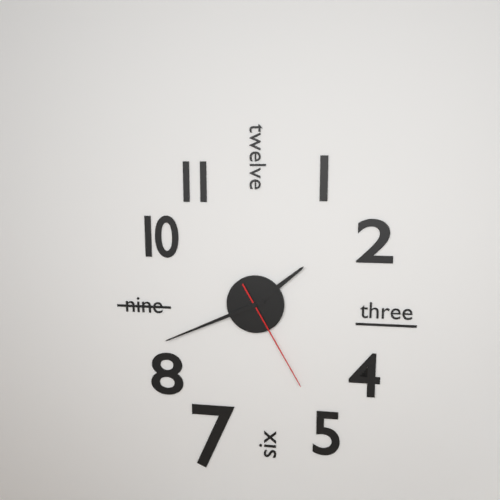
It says 1:41:25
